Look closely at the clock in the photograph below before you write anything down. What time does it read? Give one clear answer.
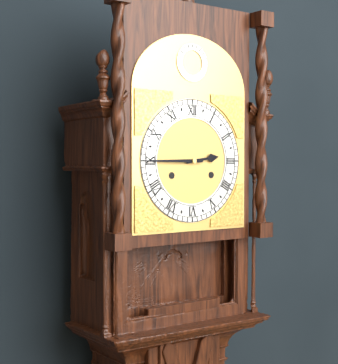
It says 2:45
